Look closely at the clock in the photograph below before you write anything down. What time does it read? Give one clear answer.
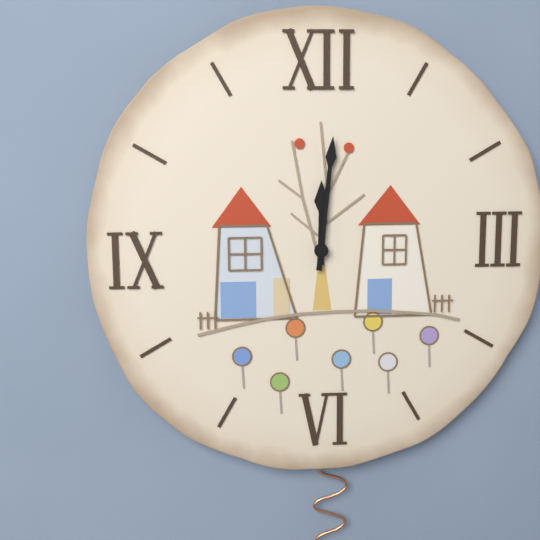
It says 12:01
